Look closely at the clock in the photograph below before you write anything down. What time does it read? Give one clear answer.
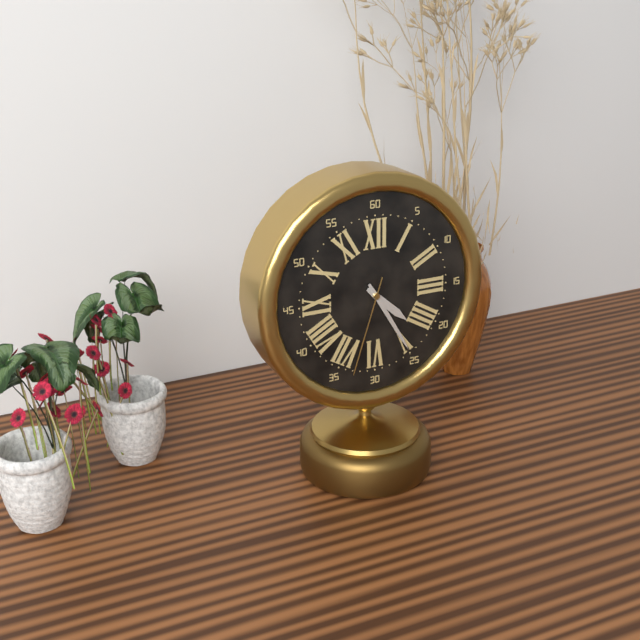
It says 4:25:33
